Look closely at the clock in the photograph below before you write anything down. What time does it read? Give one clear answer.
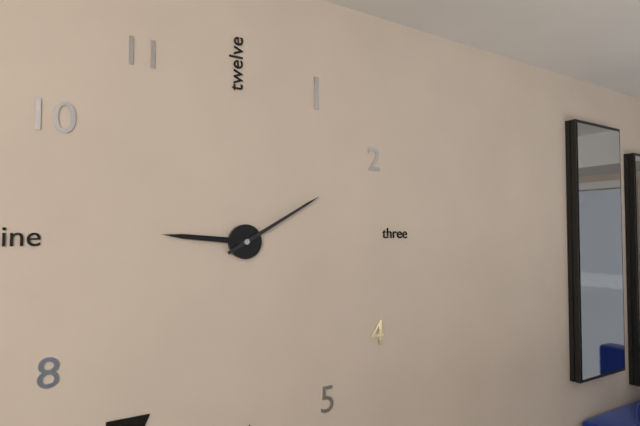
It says 9:10
